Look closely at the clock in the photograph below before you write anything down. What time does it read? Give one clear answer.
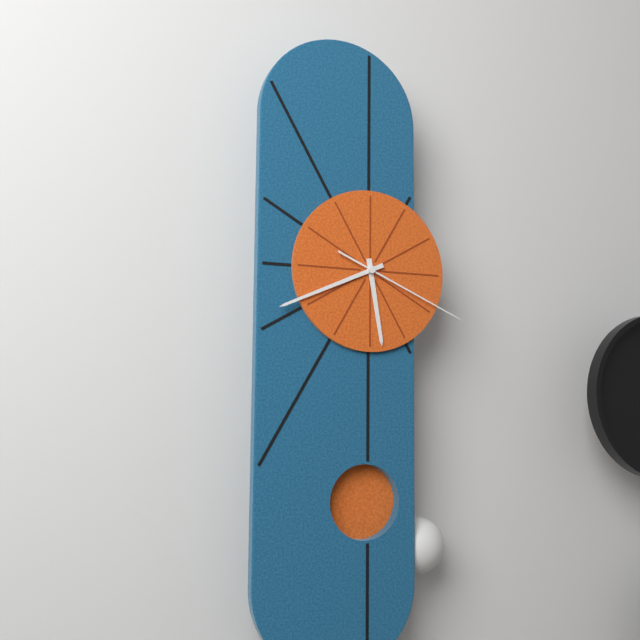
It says 5:41:19
